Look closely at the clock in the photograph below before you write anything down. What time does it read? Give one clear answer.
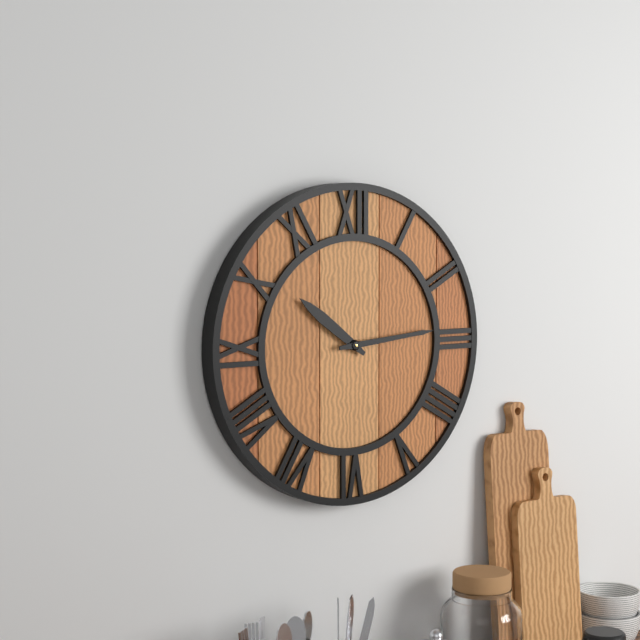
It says 10:14
